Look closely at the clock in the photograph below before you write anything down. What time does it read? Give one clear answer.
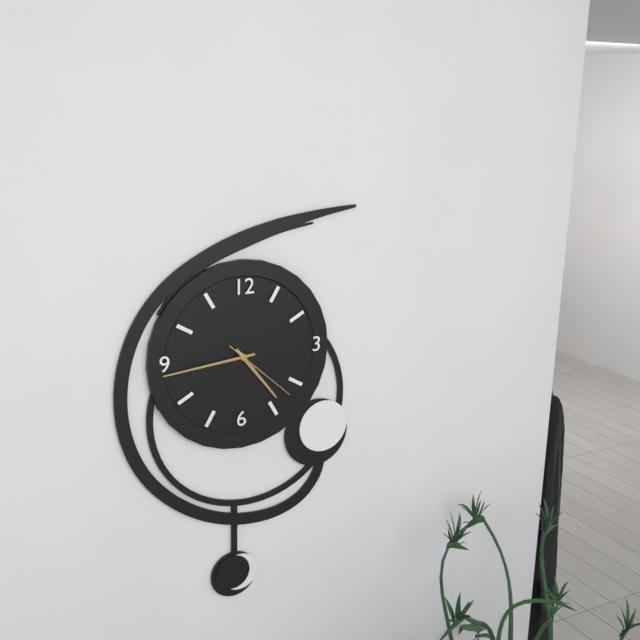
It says 4:44:22
